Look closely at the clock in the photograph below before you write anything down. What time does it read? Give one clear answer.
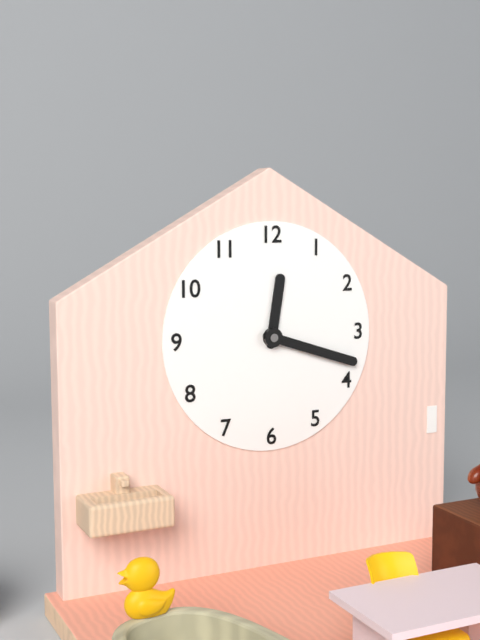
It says 12:18
